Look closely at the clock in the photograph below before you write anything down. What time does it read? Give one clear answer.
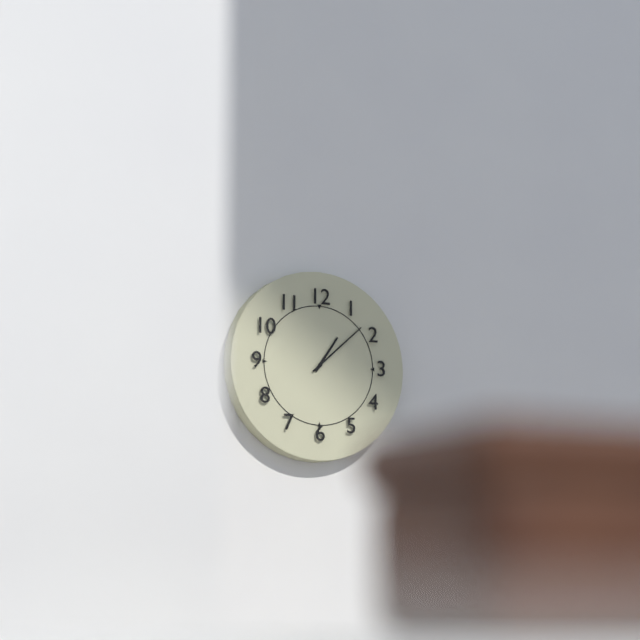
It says 1:08
